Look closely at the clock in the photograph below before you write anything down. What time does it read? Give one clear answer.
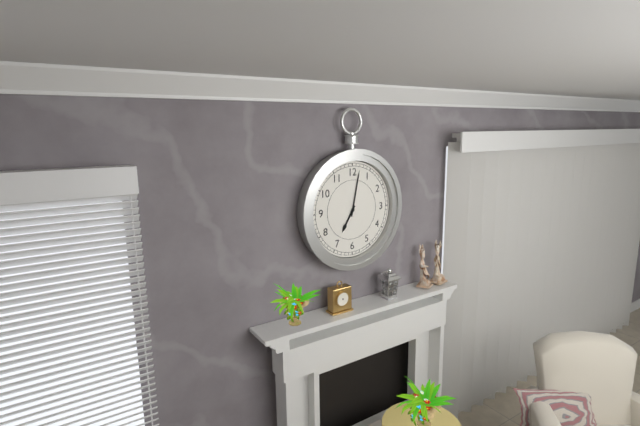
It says 7:02
